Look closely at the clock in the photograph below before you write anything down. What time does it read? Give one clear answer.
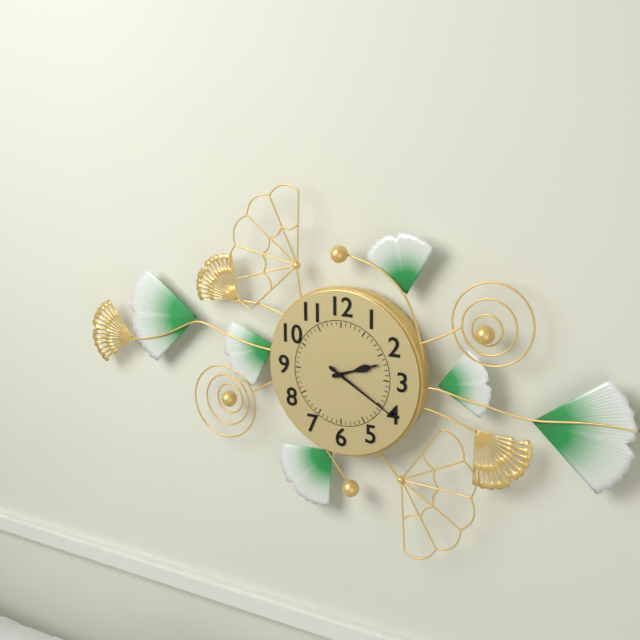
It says 2:20
